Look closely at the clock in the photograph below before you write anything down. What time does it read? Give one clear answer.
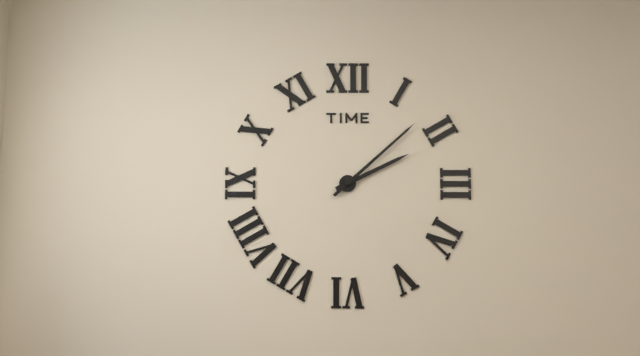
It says 2:08
